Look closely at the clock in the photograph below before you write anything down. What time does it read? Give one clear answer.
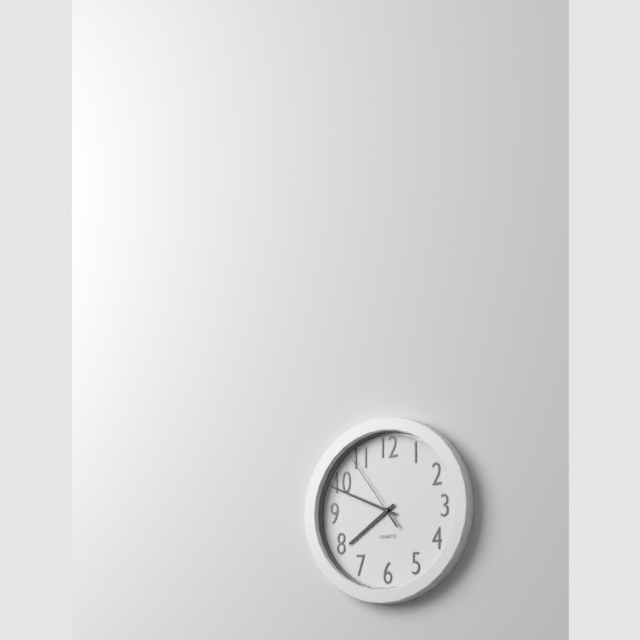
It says 7:49:54
